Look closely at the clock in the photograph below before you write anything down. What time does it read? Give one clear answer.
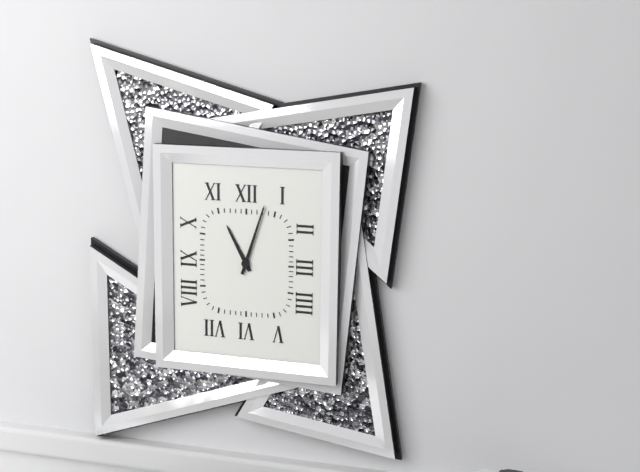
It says 11:03
